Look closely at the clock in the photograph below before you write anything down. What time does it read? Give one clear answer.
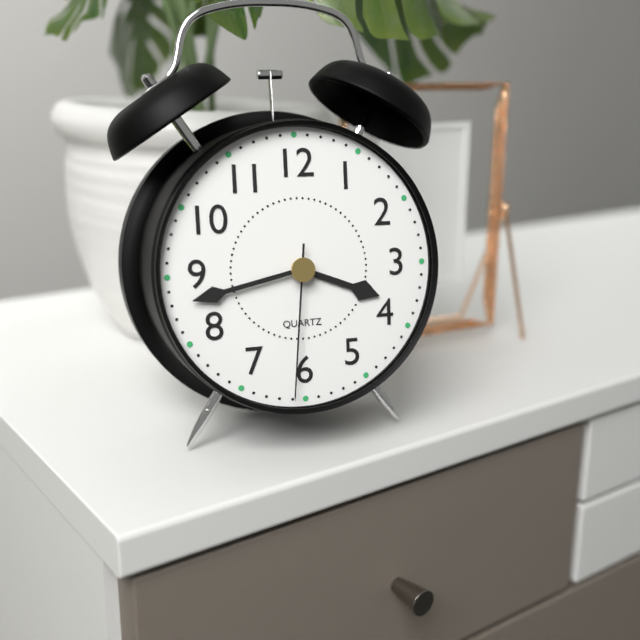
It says 3:43:31
